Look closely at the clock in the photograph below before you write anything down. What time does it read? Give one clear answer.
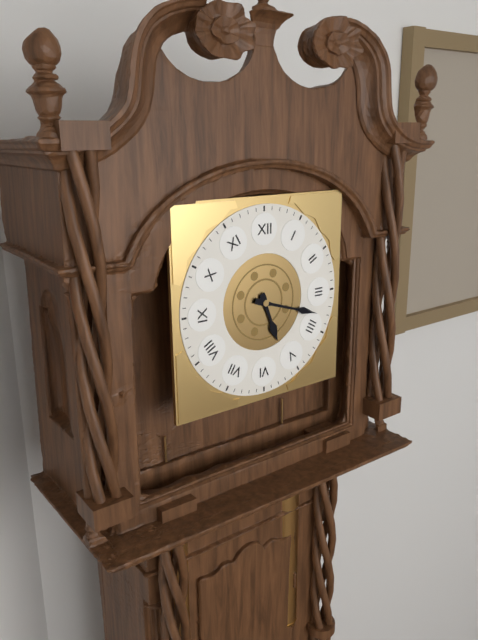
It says 5:18
